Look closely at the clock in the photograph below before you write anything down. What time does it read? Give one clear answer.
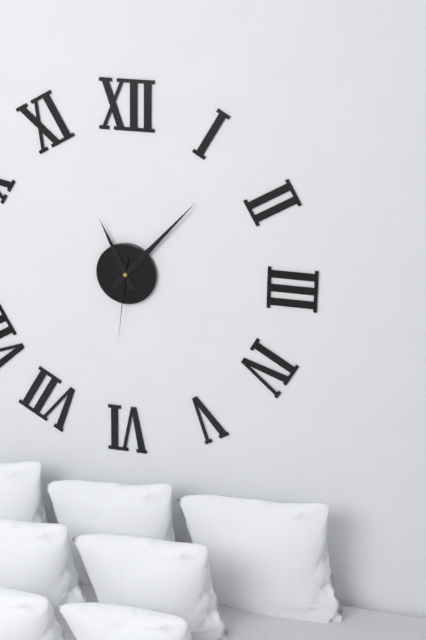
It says 11:07:31
